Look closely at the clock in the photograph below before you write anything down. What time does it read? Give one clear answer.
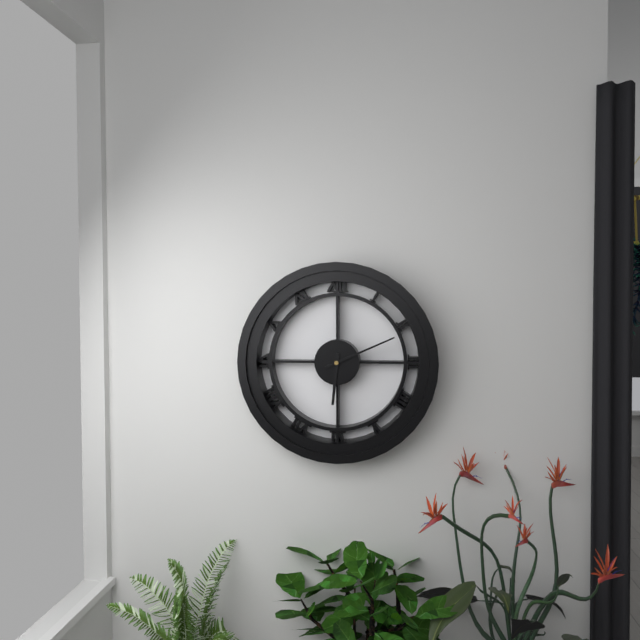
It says 6:11
